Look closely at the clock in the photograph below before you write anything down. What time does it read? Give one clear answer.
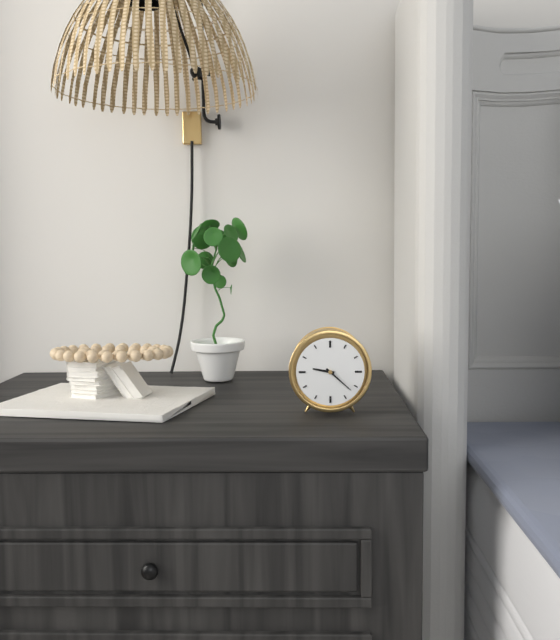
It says 9:22
